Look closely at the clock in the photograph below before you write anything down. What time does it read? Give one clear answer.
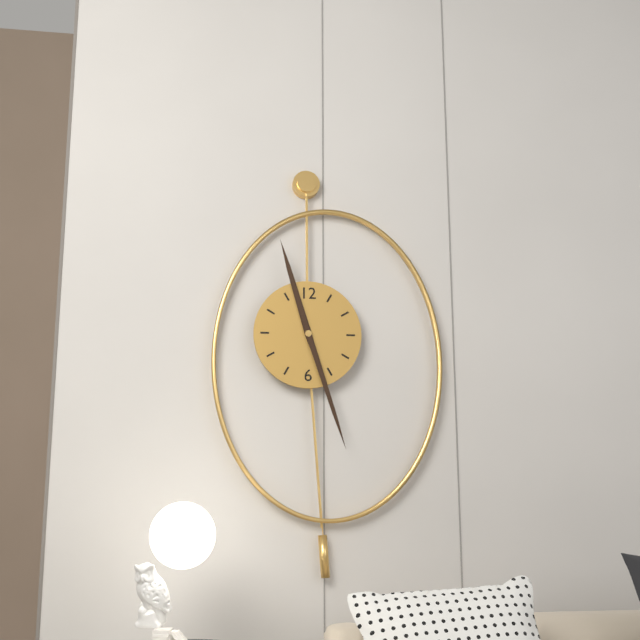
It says 11:27
